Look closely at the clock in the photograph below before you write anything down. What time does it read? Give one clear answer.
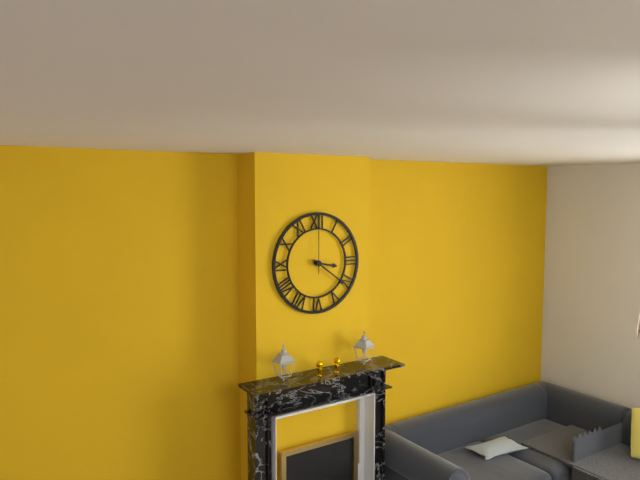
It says 3:21:00
